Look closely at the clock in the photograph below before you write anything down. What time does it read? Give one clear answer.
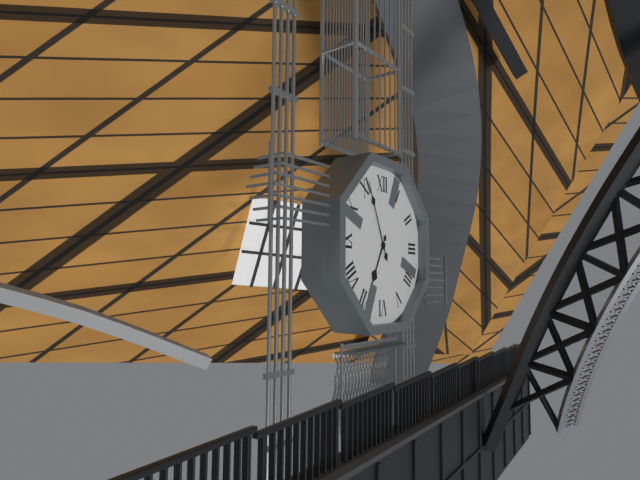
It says 6:56
